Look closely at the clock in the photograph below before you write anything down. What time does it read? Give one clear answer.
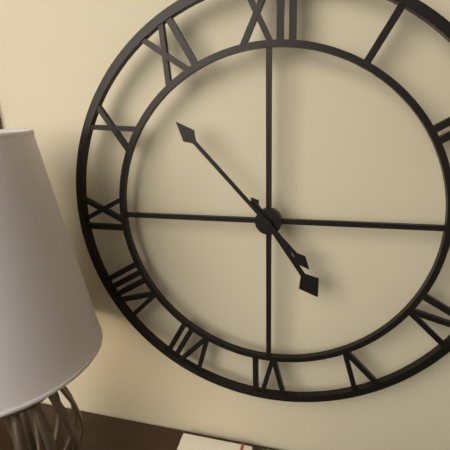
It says 4:53
